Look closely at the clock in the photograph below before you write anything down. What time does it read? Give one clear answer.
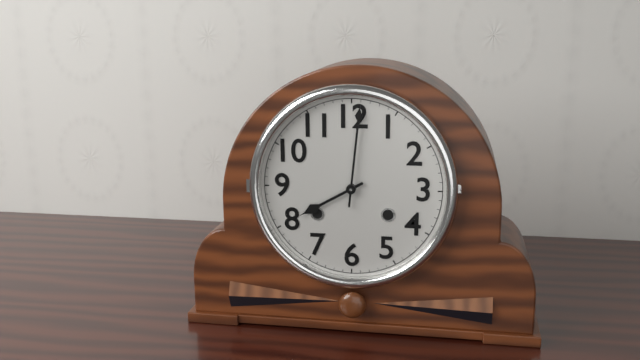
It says 8:01
